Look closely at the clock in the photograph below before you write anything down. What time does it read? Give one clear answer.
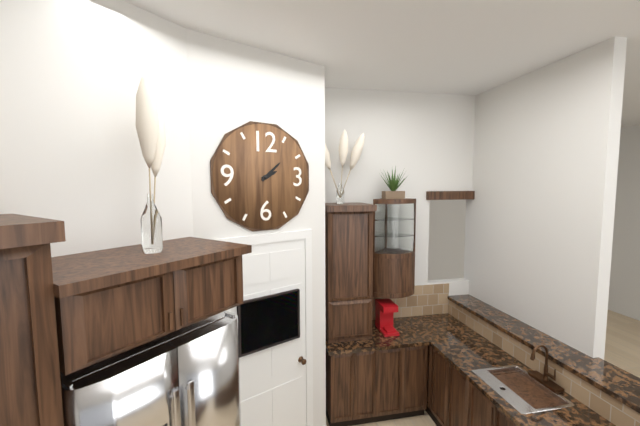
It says 2:08
